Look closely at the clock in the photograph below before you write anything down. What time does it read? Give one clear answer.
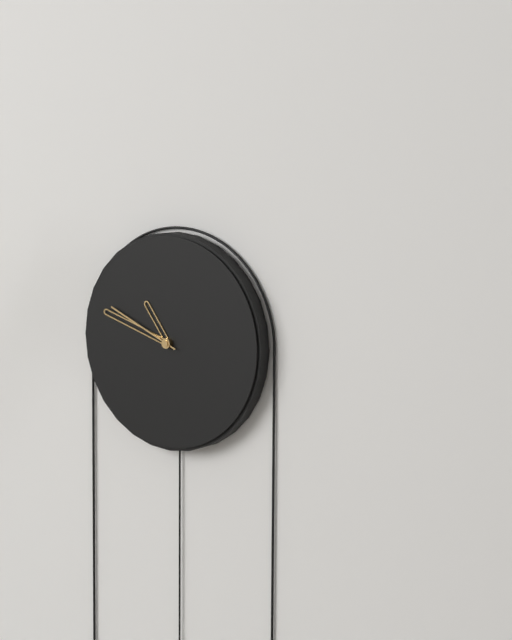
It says 10:48:49
